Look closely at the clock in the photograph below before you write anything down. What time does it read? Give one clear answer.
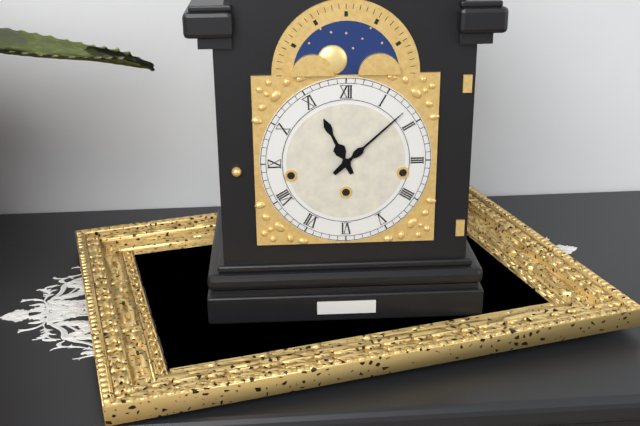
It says 11:08
